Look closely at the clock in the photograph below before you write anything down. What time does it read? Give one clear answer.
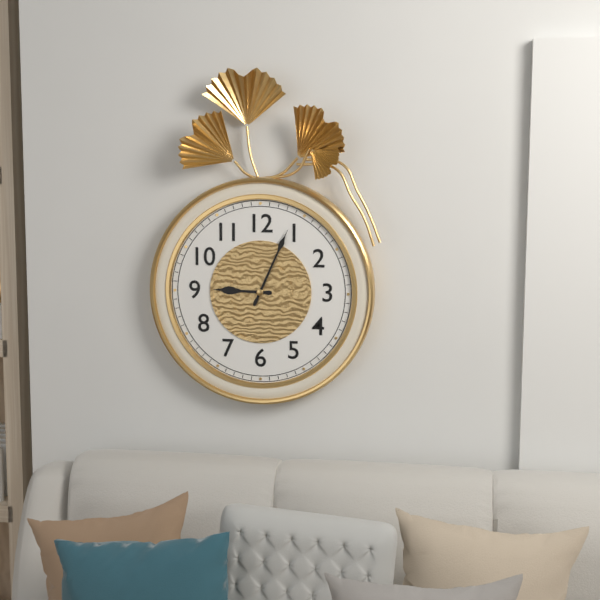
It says 9:04
